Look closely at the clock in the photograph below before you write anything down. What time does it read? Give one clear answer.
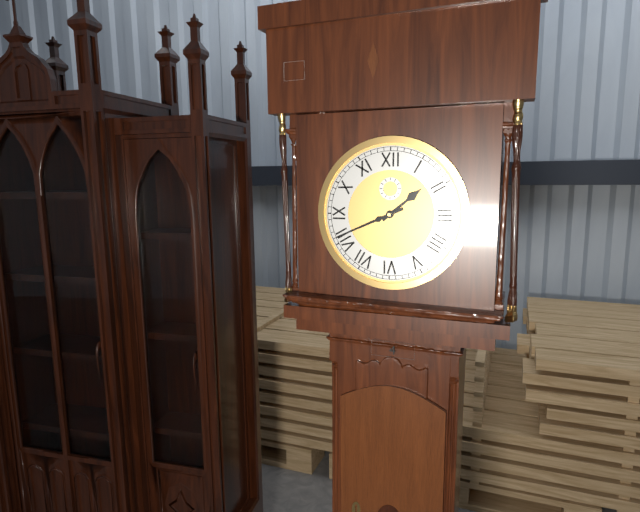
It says 1:41
